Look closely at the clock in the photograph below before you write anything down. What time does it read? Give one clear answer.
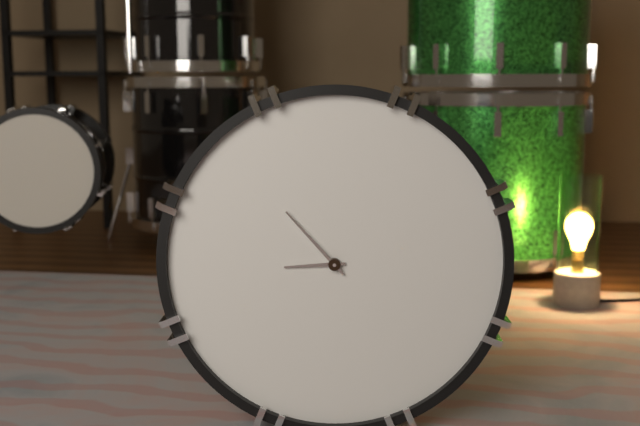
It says 8:53
